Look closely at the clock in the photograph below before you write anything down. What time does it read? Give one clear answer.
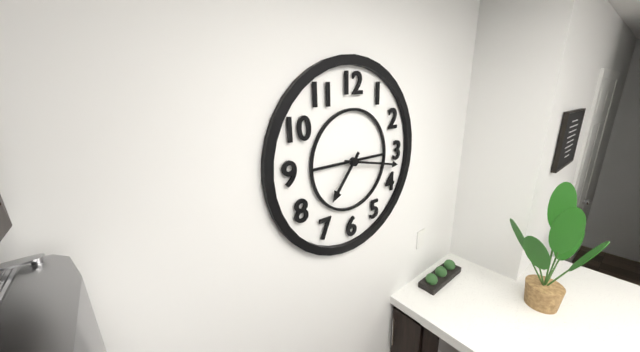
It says 7:17
